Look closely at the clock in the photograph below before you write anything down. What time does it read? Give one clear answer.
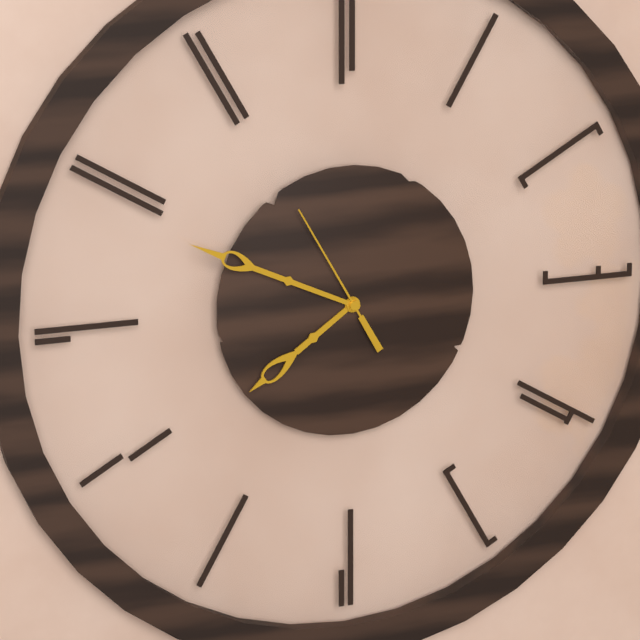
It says 7:49:55
